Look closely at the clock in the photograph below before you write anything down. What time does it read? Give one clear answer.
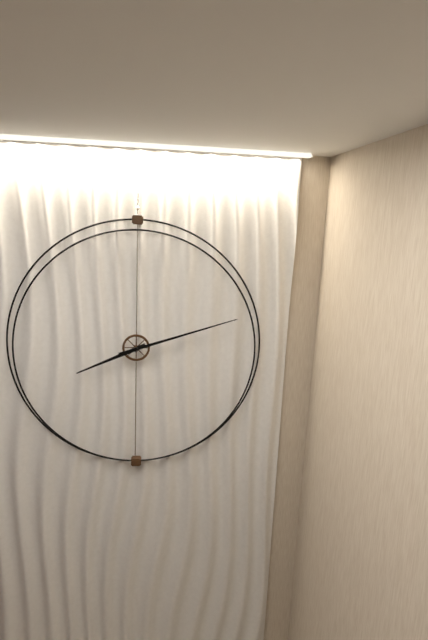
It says 8:12
